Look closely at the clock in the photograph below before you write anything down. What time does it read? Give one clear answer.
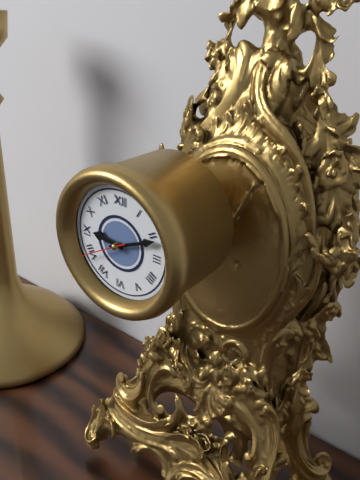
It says 9:11:40
